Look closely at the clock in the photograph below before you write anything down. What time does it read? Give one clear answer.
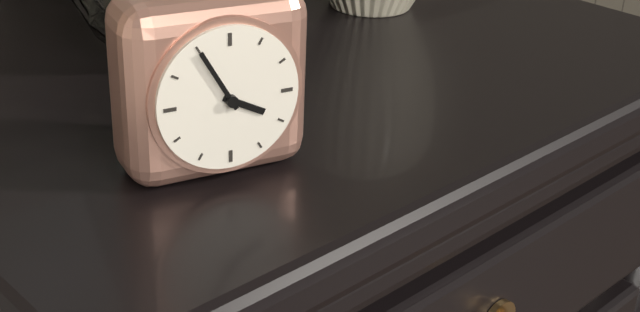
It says 3:55
